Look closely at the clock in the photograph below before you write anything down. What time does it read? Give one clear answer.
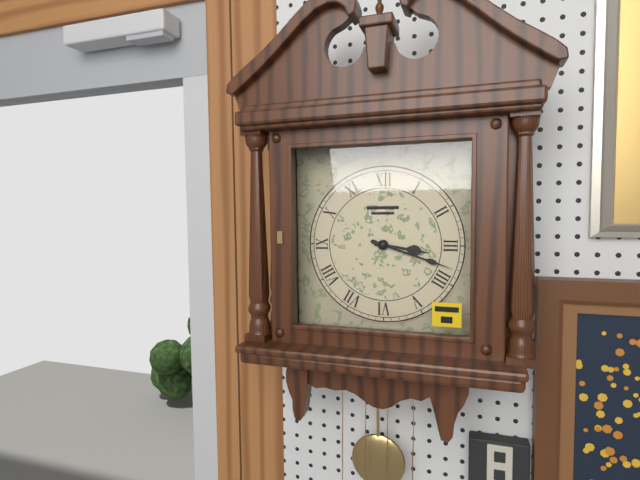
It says 3:18
